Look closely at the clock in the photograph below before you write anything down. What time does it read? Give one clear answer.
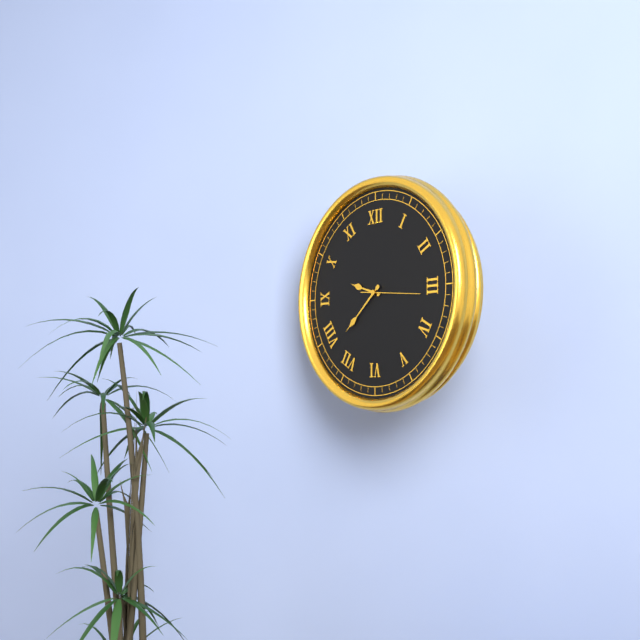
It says 9:38:16
